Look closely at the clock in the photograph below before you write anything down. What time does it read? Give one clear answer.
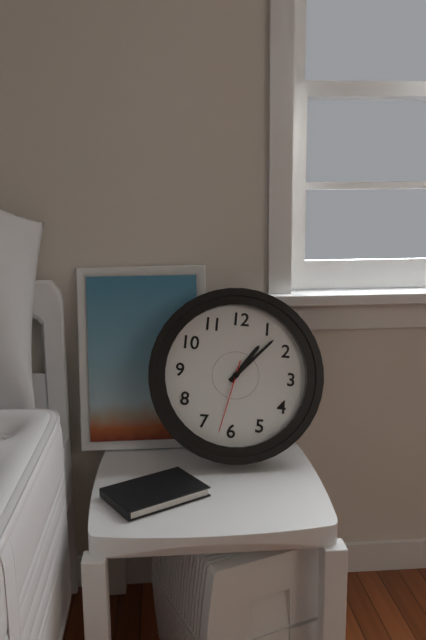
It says 1:07:32
